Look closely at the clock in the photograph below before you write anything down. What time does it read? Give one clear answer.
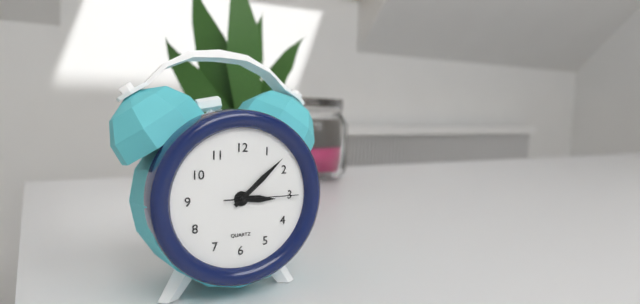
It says 3:08:15
